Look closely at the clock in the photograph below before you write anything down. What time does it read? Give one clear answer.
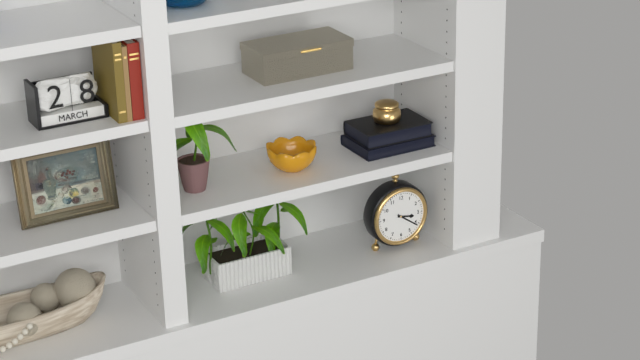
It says 3:21
